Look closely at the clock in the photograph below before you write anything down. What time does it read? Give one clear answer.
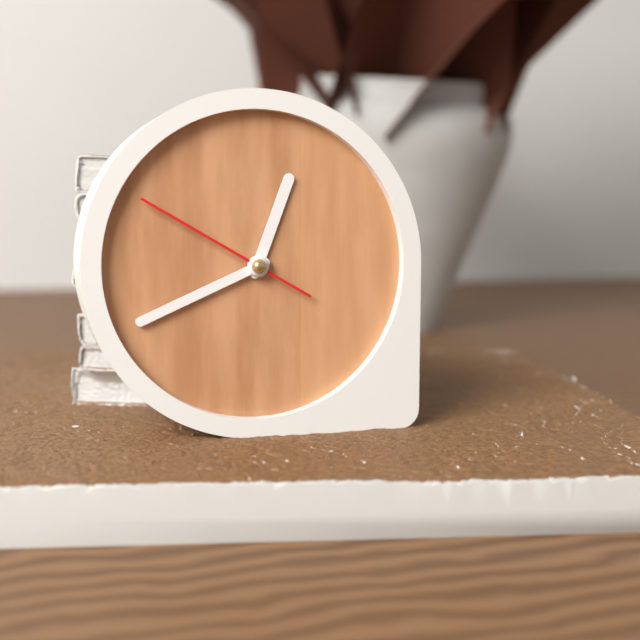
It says 12:41:50
